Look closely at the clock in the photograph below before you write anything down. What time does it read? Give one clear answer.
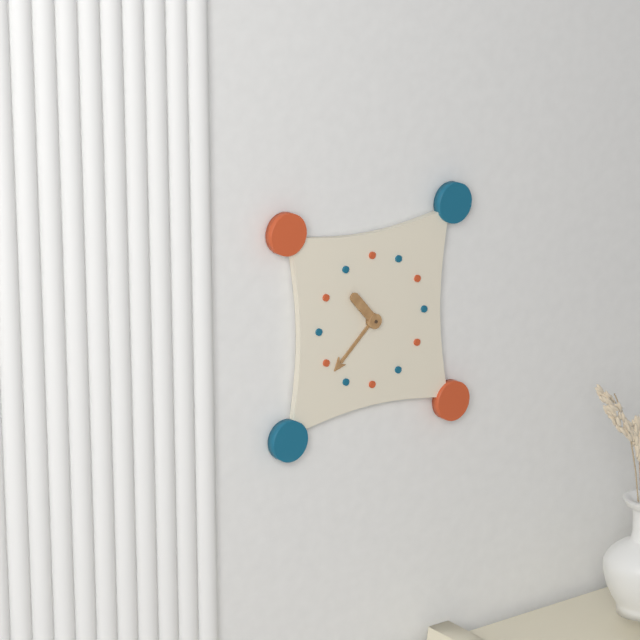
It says 10:38
